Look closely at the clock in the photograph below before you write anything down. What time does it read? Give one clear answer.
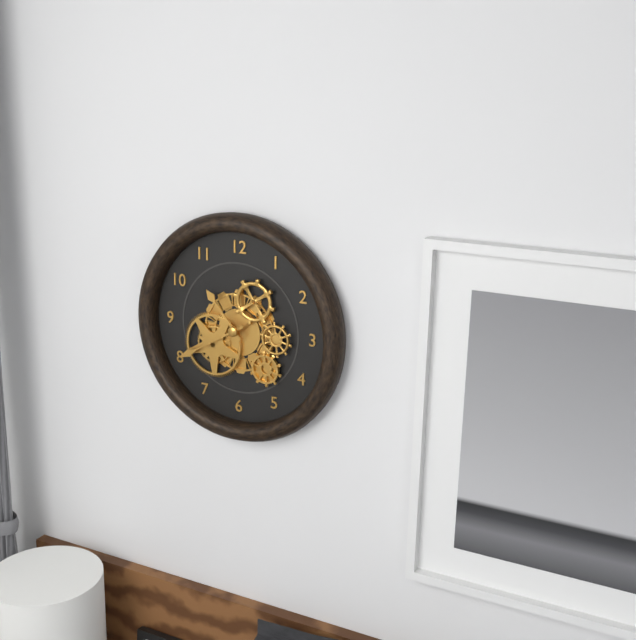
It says 10:40
